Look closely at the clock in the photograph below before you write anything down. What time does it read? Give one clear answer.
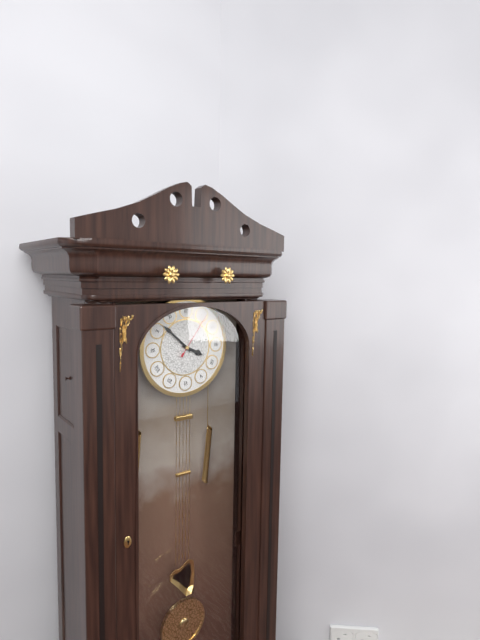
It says 3:52
